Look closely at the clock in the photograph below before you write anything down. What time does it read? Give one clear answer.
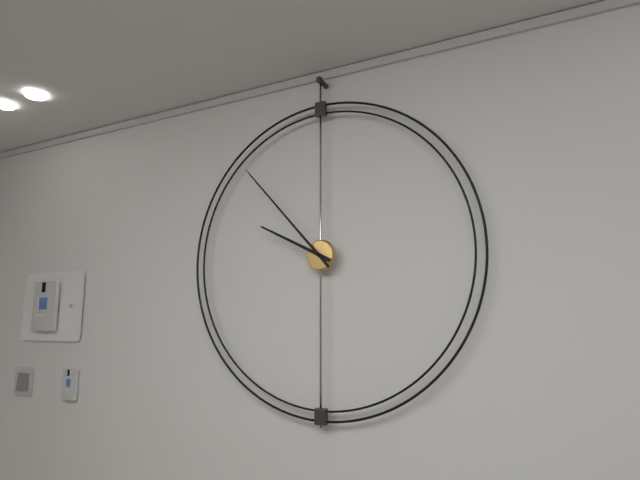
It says 9:53
